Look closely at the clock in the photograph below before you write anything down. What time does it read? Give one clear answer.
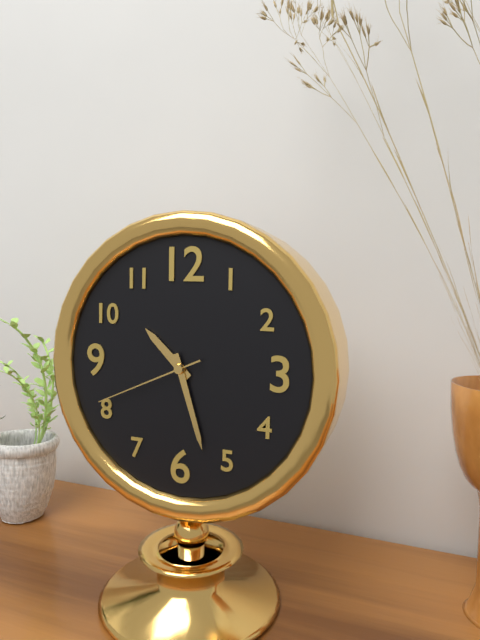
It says 10:27:41
